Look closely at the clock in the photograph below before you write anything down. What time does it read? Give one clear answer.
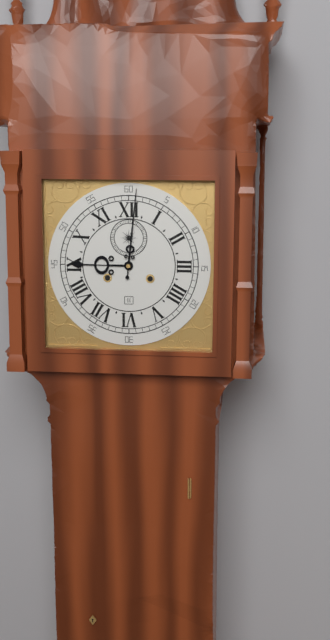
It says 9:01
